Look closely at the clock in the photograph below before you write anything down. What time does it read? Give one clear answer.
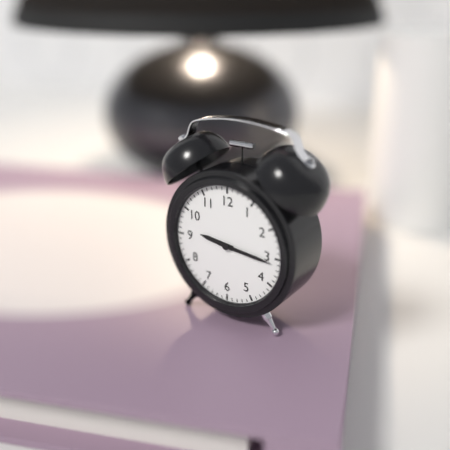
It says 9:16
